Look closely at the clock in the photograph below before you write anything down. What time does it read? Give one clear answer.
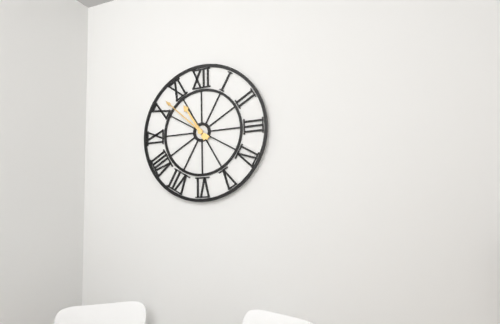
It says 10:52
